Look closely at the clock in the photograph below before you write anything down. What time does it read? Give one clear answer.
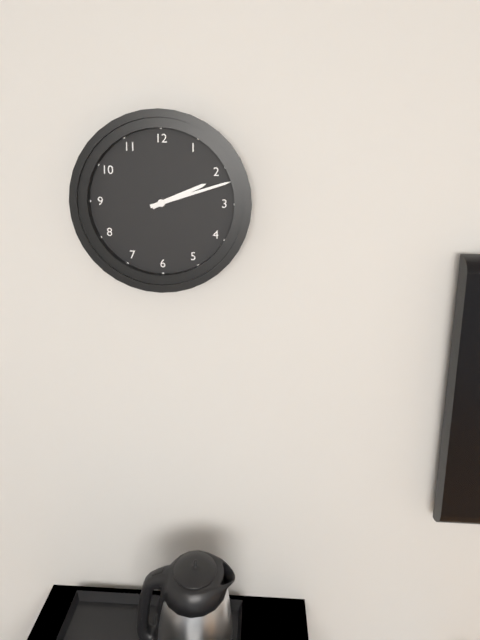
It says 2:12
